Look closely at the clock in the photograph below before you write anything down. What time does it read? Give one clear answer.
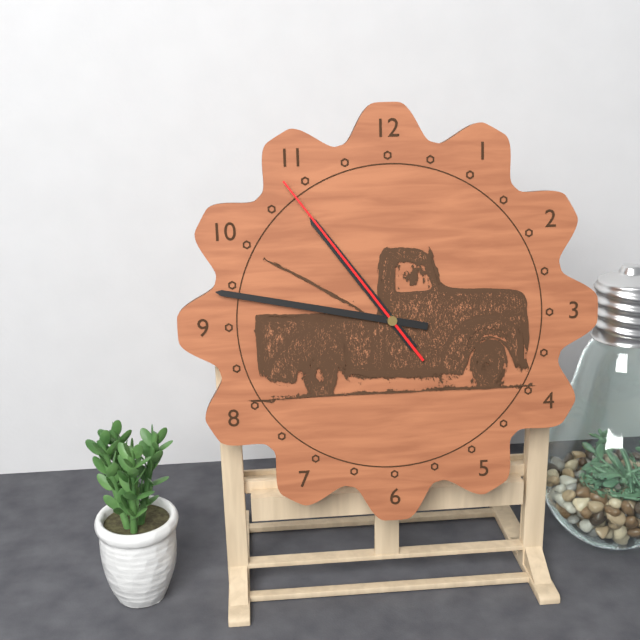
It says 10:47:54
